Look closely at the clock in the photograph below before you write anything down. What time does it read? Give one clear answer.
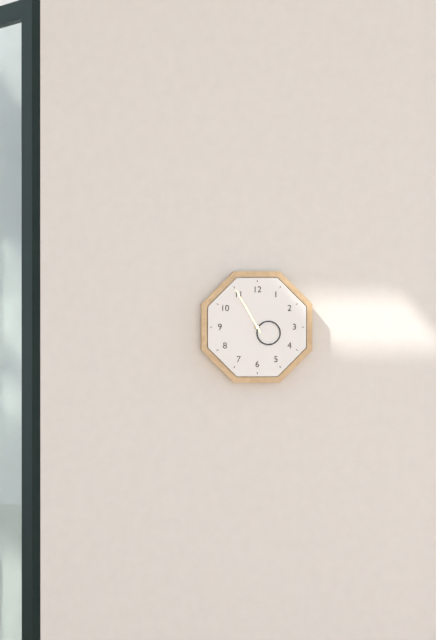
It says 3:55
